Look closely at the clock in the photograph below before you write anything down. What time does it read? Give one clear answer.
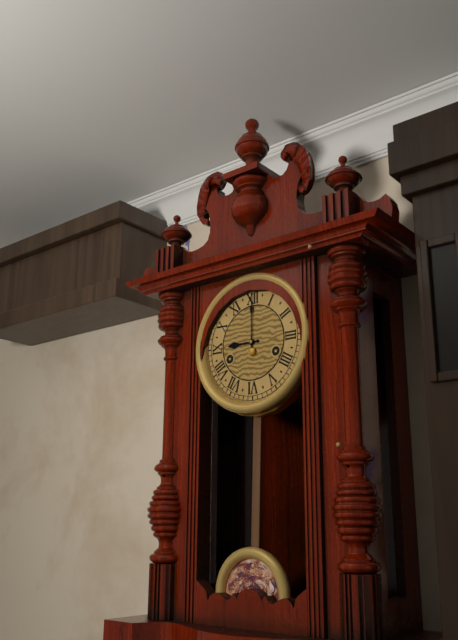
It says 9:00
